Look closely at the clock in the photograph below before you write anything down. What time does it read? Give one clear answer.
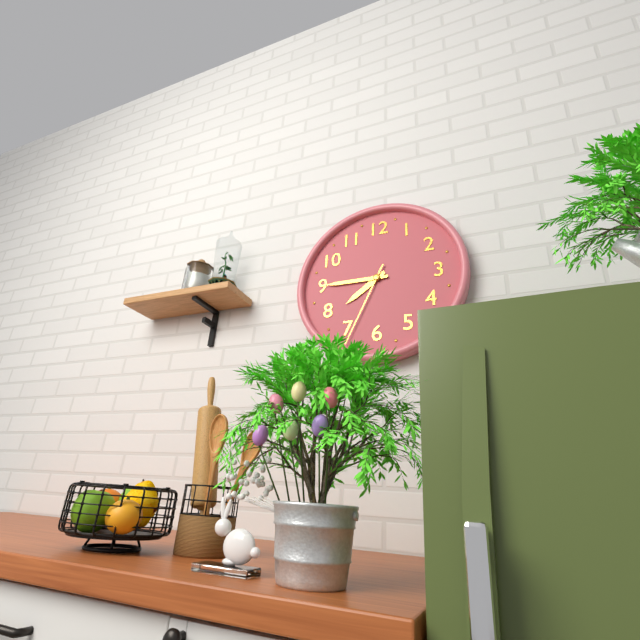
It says 7:45:34
